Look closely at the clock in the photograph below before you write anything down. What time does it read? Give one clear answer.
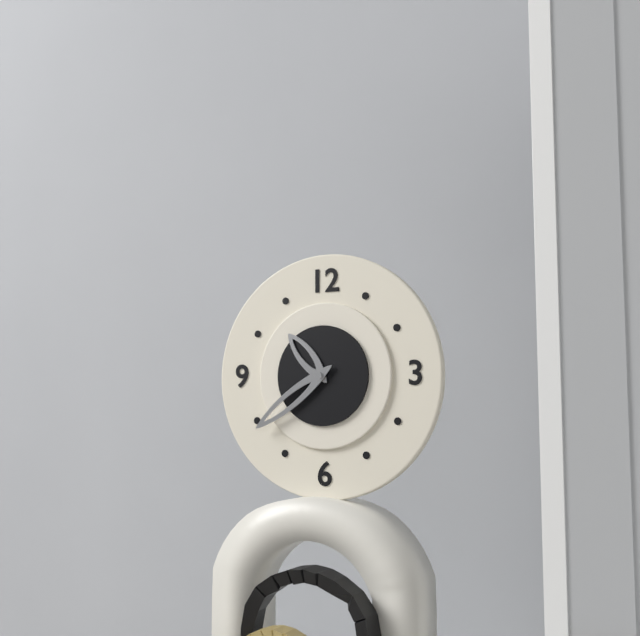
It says 10:39
